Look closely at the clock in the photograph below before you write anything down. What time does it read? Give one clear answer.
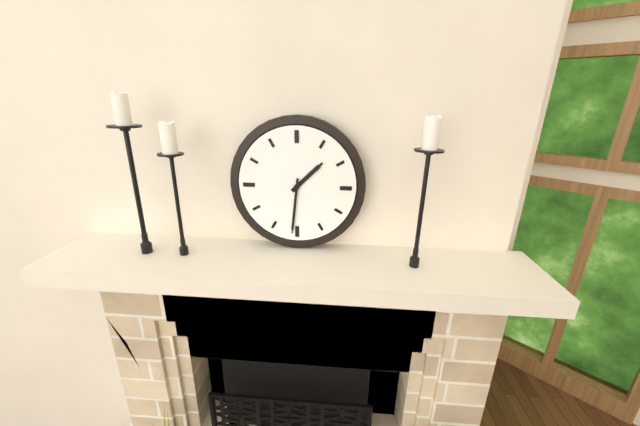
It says 1:31
